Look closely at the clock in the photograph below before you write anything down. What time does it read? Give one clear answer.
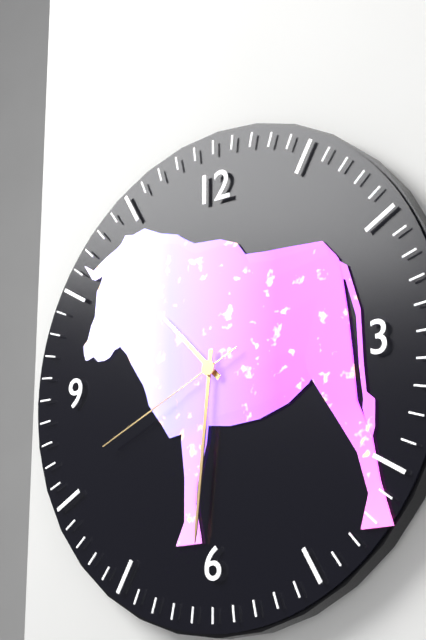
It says 10:31:41
